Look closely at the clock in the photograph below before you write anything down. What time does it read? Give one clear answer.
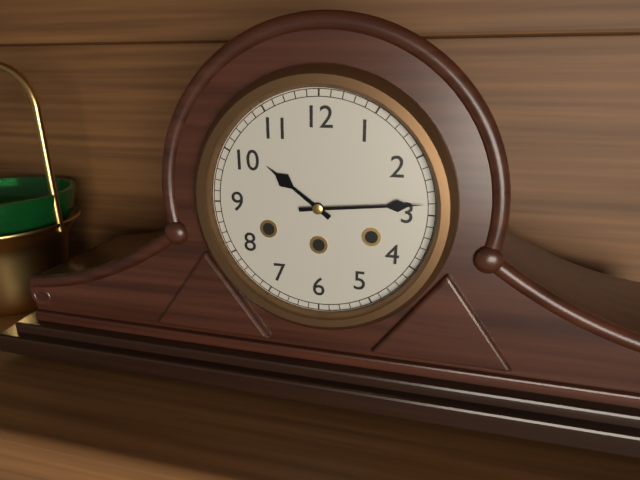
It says 10:14
